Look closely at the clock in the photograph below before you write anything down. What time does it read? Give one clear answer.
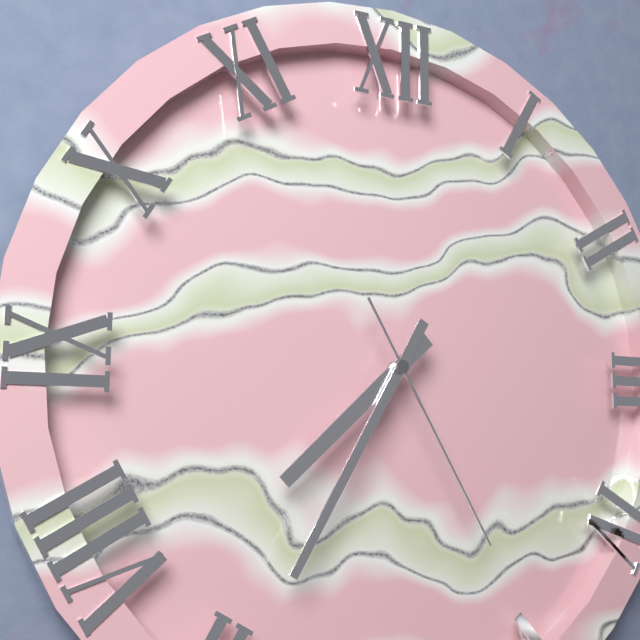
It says 7:35:25
